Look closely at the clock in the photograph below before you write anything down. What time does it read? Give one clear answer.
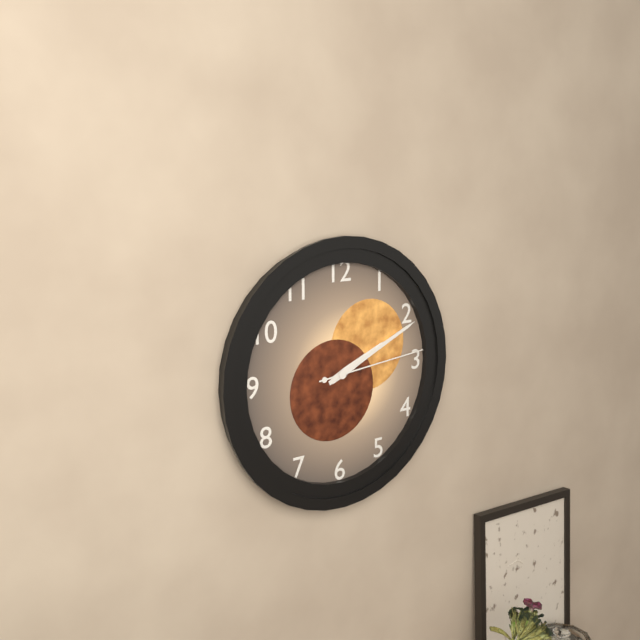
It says 2:11:14
